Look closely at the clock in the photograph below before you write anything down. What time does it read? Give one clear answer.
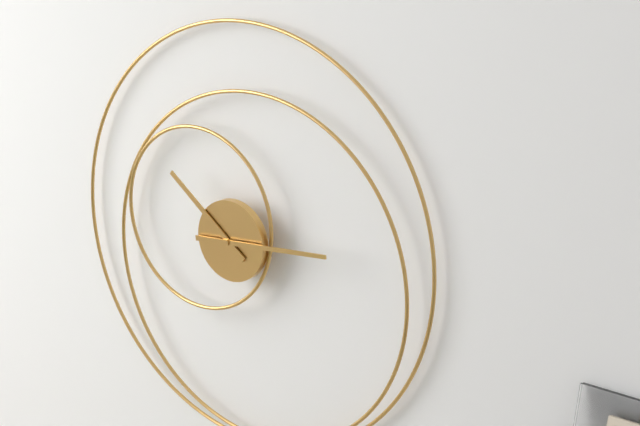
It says 10:14
